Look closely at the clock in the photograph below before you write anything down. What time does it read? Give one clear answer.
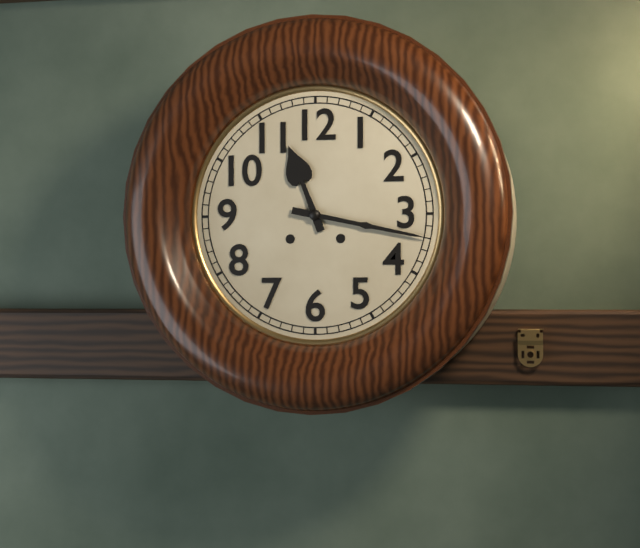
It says 11:17
